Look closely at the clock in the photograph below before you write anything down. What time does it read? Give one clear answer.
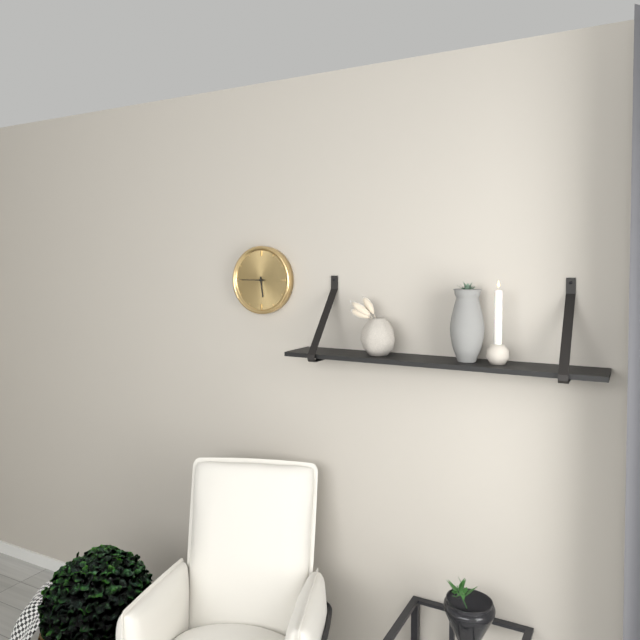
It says 5:45
